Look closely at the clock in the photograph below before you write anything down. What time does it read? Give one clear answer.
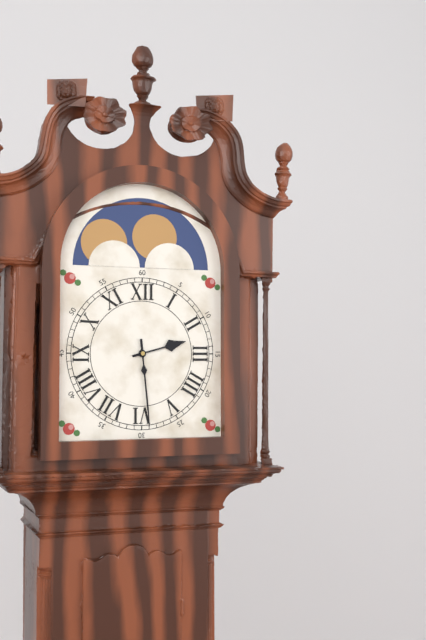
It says 2:29
